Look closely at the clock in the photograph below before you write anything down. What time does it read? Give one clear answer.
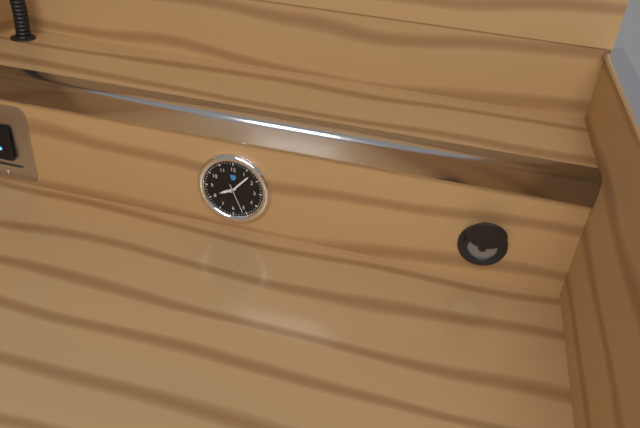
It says 8:07
